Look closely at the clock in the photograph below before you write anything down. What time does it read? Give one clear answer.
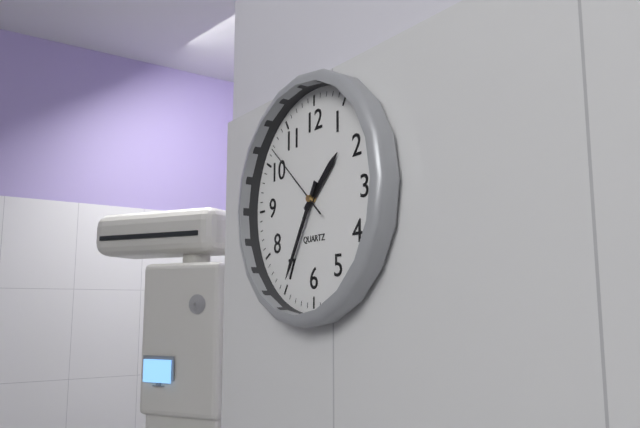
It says 1:35:52
